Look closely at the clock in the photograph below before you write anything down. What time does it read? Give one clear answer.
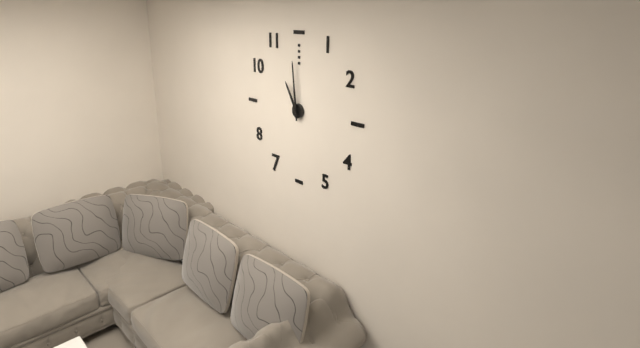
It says 10:59
